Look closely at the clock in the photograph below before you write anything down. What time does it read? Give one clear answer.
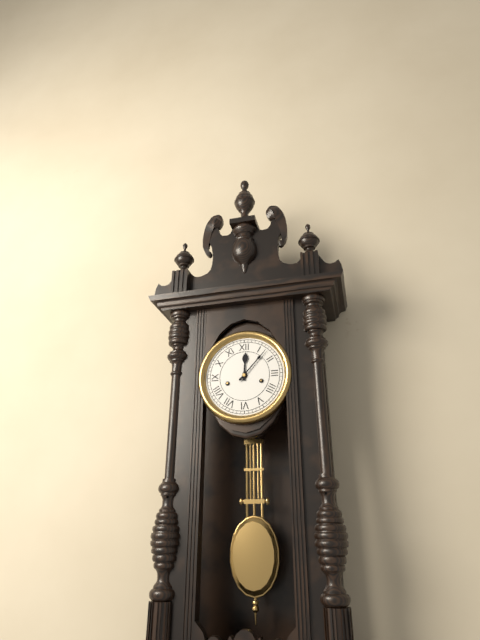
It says 12:07
